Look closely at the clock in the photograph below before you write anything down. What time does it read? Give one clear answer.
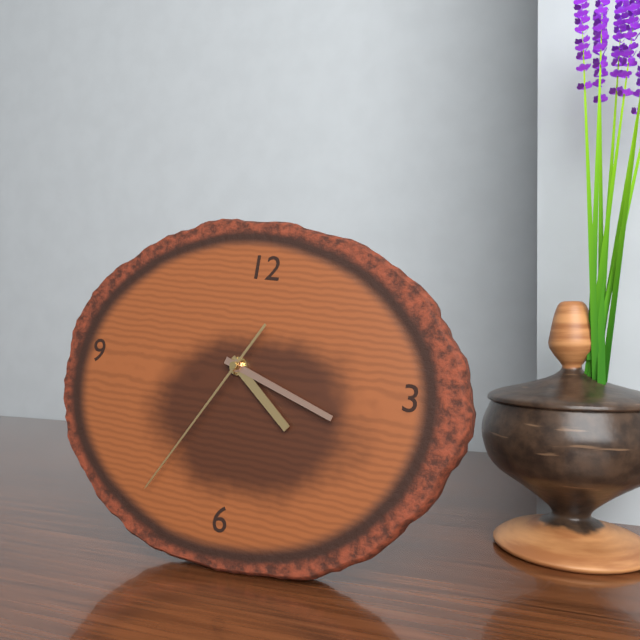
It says 4:18:35
